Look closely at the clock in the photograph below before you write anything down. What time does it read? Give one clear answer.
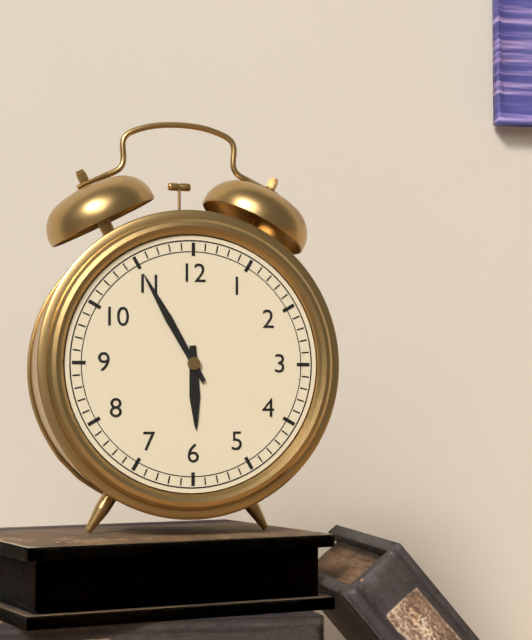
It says 5:55
